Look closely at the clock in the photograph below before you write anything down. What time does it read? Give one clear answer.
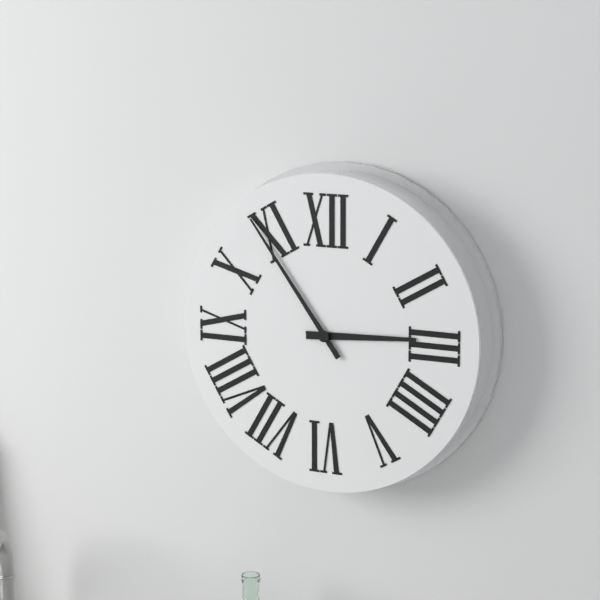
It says 2:54
